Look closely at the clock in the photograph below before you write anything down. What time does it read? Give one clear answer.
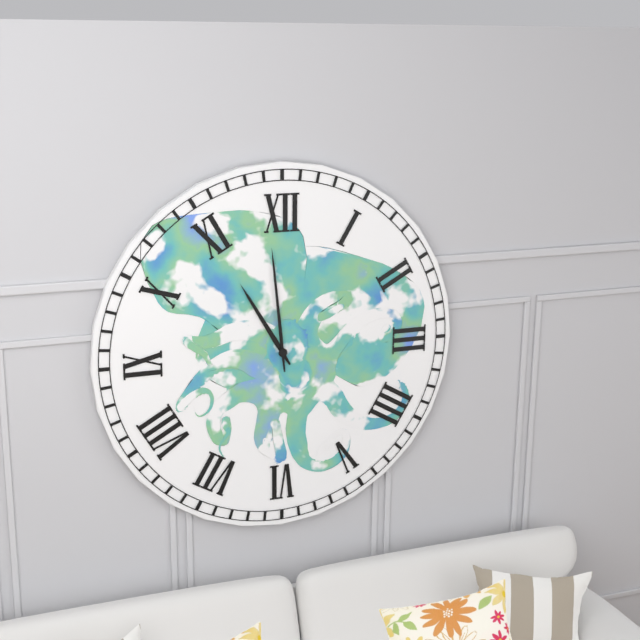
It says 10:59
